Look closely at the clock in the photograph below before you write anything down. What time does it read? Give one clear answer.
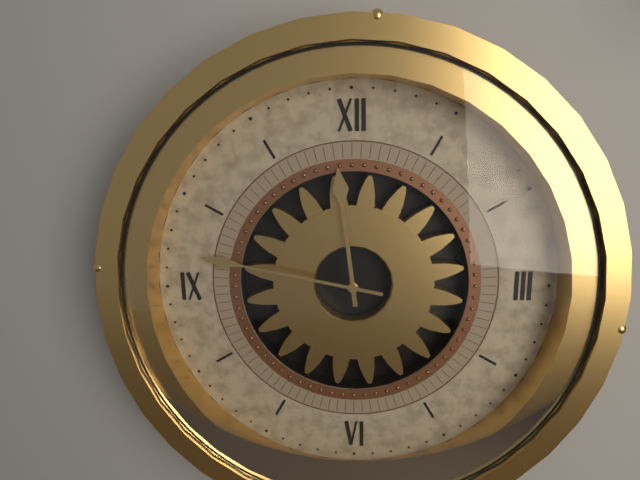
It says 11:47
